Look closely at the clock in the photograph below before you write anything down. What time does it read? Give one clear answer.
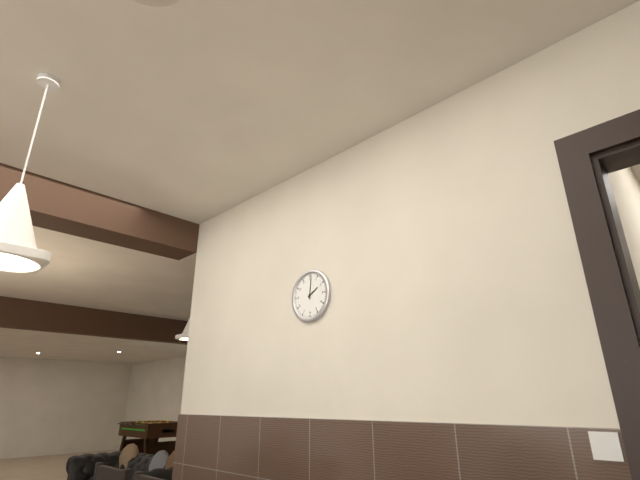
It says 2:01
